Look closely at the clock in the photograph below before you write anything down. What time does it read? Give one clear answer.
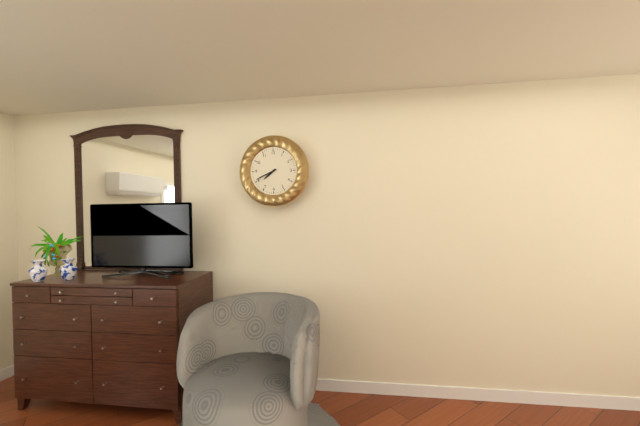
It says 7:41
